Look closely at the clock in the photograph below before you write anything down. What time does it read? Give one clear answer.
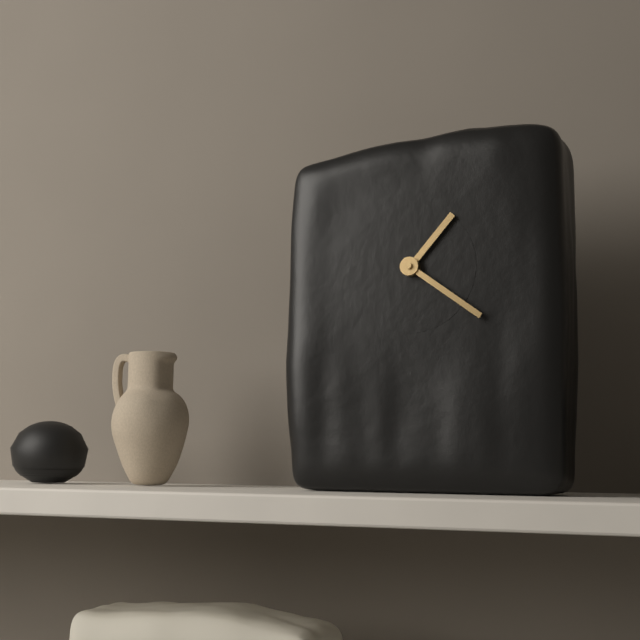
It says 1:21
